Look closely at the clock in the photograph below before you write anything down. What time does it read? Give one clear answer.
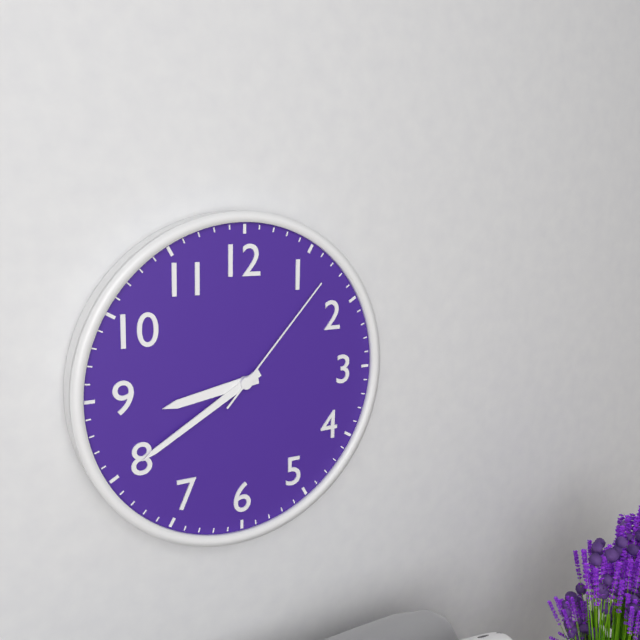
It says 8:40:07
